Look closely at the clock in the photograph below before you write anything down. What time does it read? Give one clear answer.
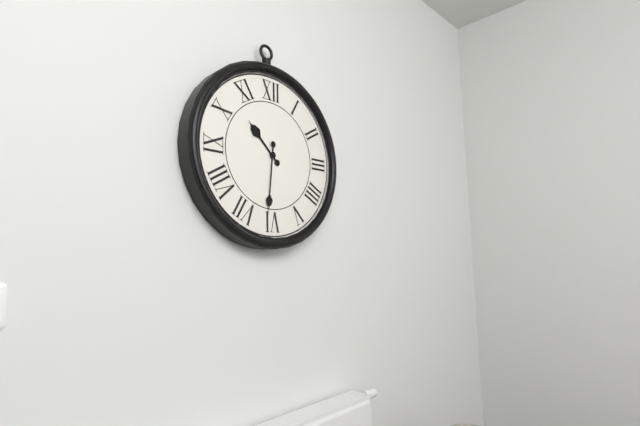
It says 10:31
